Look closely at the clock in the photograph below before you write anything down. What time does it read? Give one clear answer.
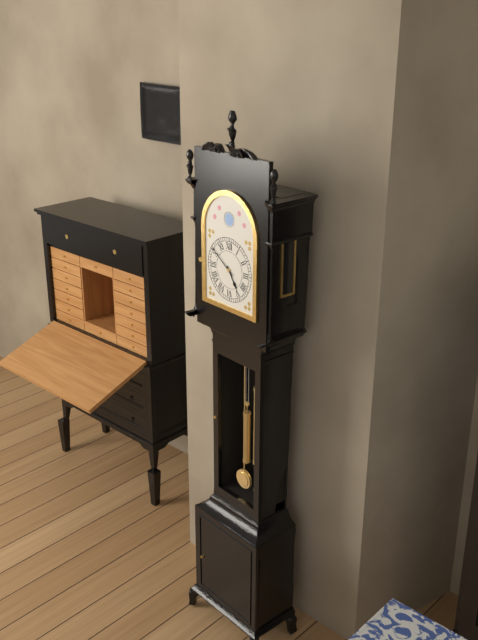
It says 4:51
